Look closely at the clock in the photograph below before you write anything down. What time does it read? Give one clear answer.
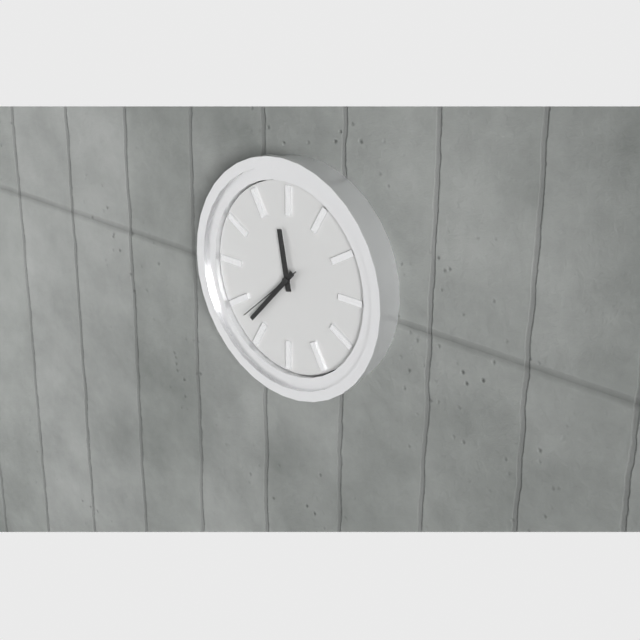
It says 11:37:38
